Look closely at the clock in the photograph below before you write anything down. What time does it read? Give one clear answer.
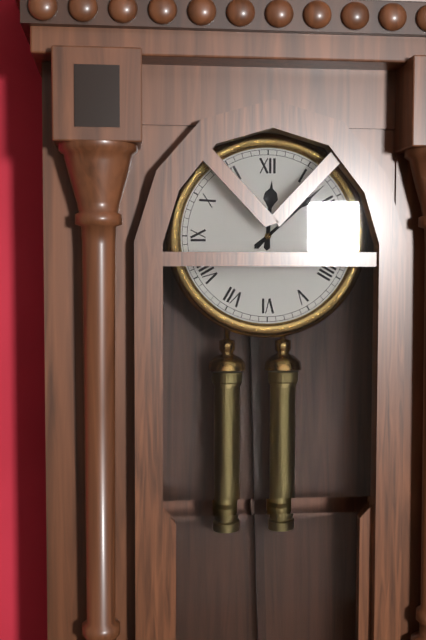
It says 12:08
